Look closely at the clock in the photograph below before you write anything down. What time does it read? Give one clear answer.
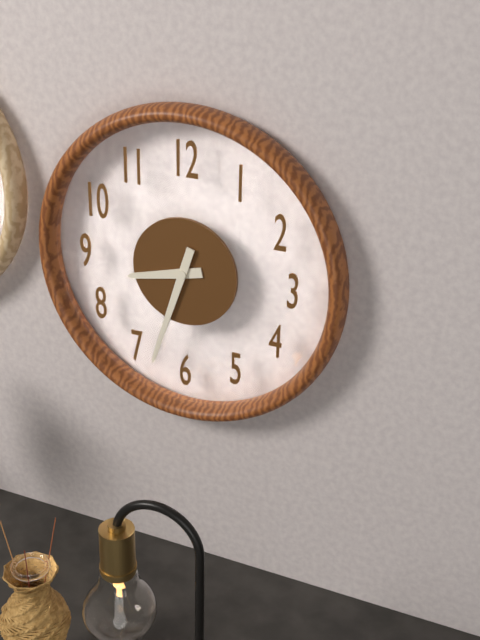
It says 8:33
